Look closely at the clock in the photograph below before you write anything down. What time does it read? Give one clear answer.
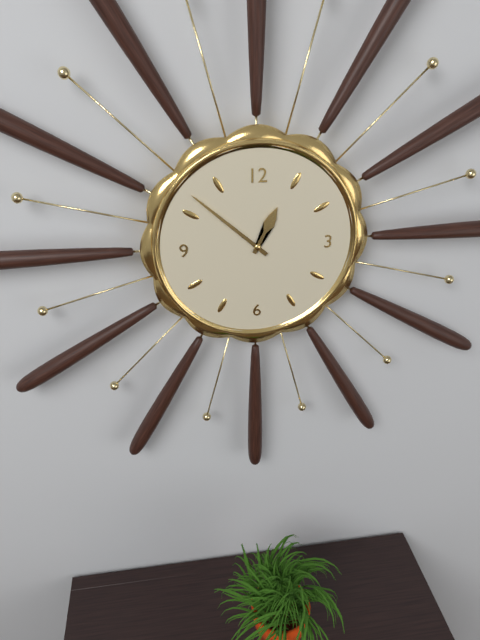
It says 12:52
